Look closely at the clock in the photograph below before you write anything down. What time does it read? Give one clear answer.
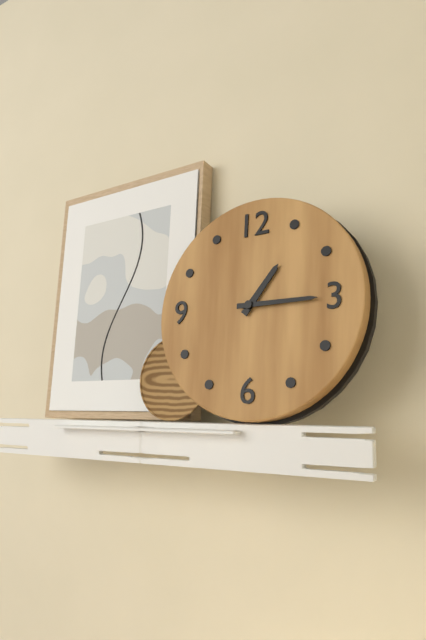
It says 1:15
